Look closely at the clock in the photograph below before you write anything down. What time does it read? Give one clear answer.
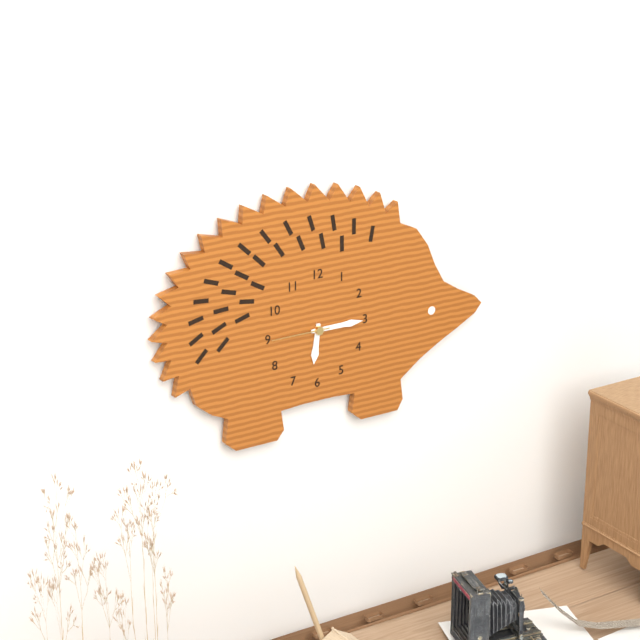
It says 6:15:45
